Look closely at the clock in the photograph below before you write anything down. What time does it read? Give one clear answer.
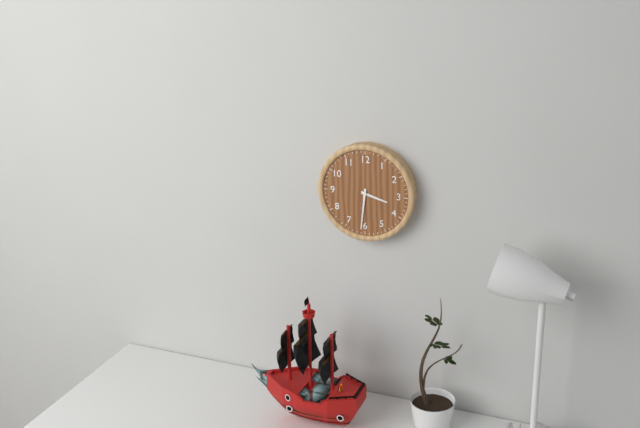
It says 3:31
